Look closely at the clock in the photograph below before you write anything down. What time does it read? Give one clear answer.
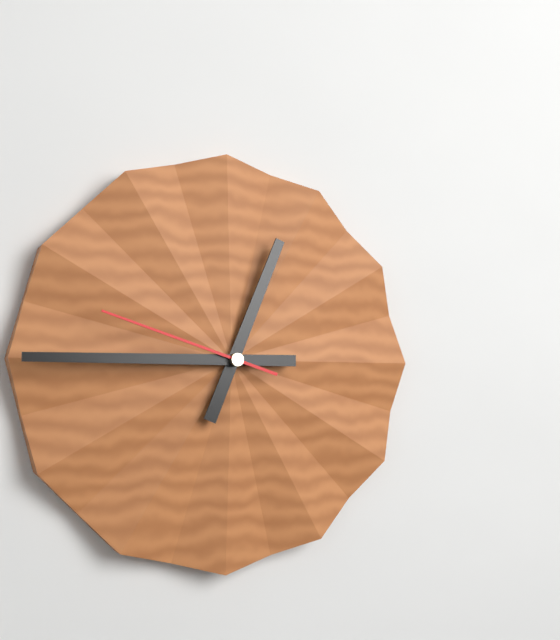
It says 12:45:48
